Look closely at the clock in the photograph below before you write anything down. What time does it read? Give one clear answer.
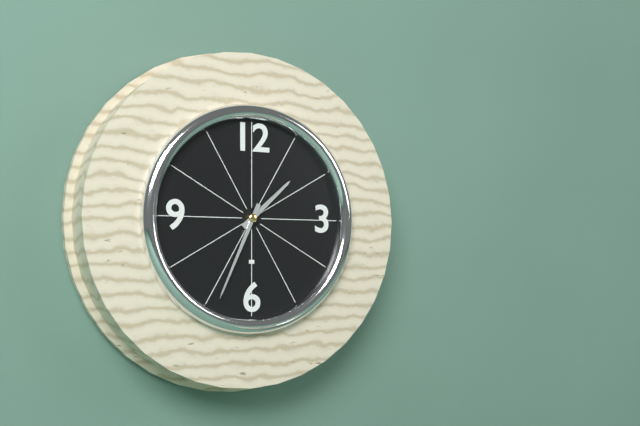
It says 1:34
